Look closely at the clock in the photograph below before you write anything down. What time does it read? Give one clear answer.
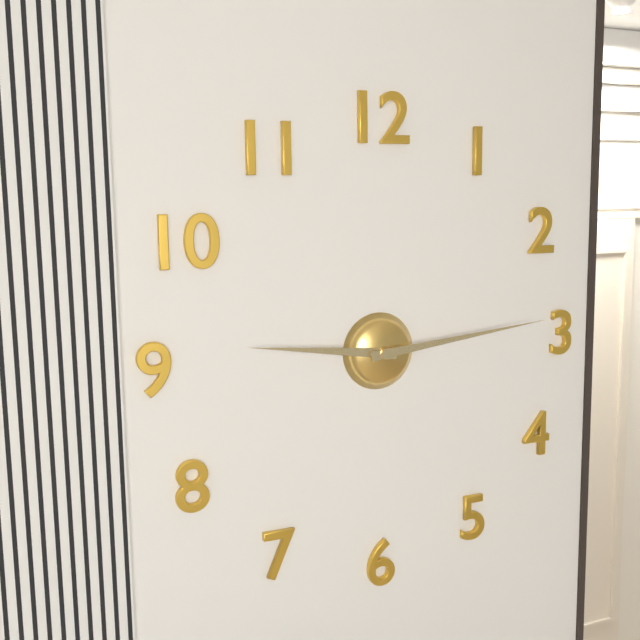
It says 9:14
